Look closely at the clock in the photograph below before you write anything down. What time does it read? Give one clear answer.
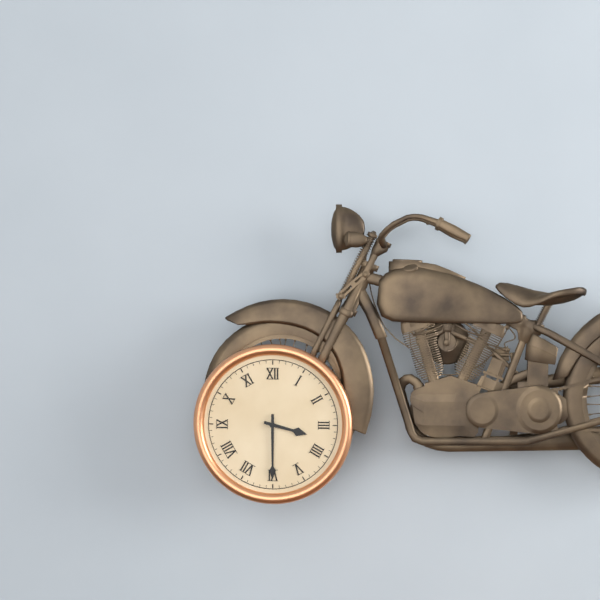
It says 3:30
